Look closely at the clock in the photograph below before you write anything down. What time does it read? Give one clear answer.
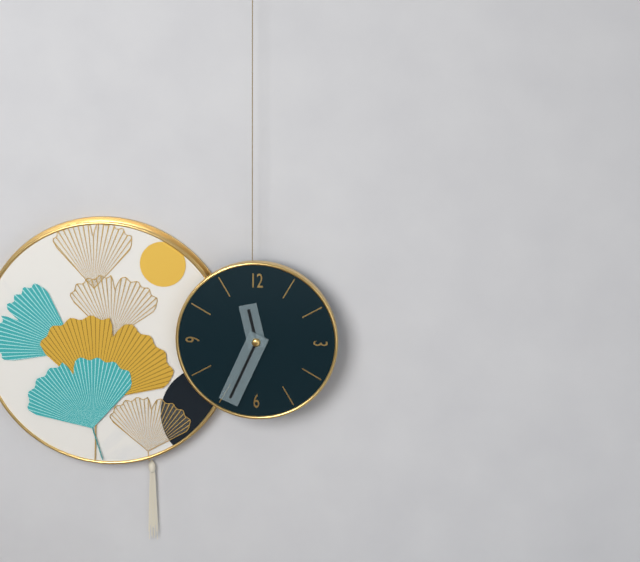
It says 11:34
